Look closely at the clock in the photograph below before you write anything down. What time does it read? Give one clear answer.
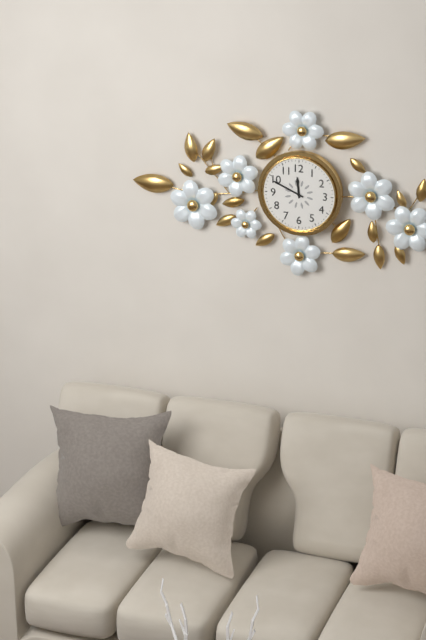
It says 11:49
